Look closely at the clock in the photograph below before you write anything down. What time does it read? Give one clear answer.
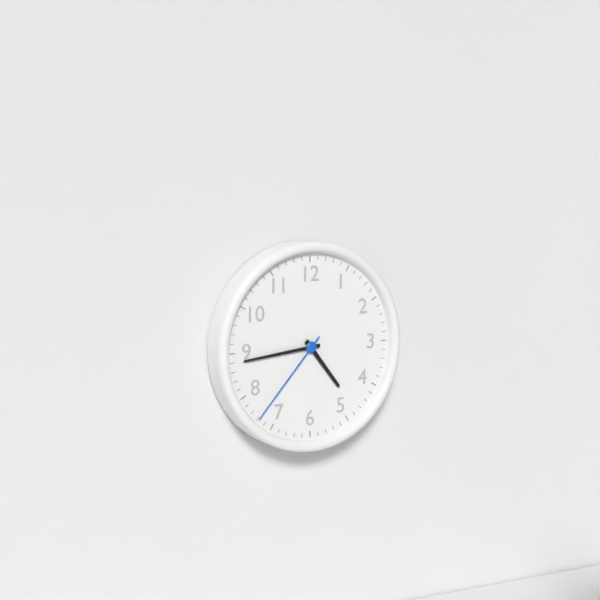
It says 4:44:37
